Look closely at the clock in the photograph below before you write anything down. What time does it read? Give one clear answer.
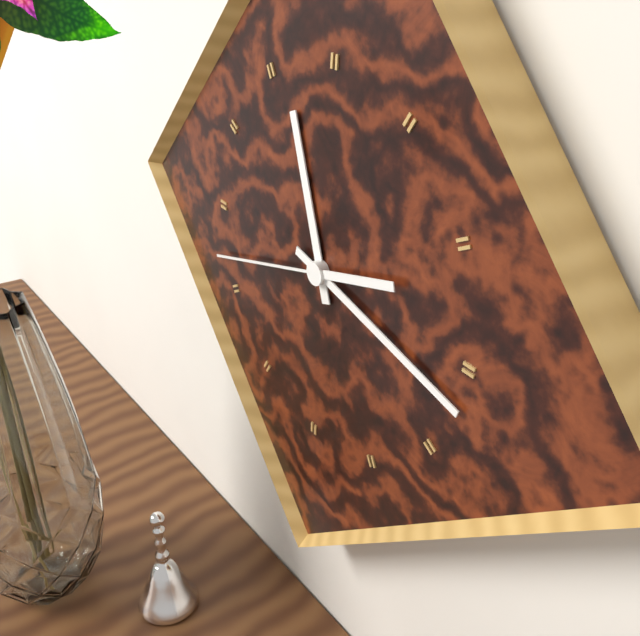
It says 11:17:42
